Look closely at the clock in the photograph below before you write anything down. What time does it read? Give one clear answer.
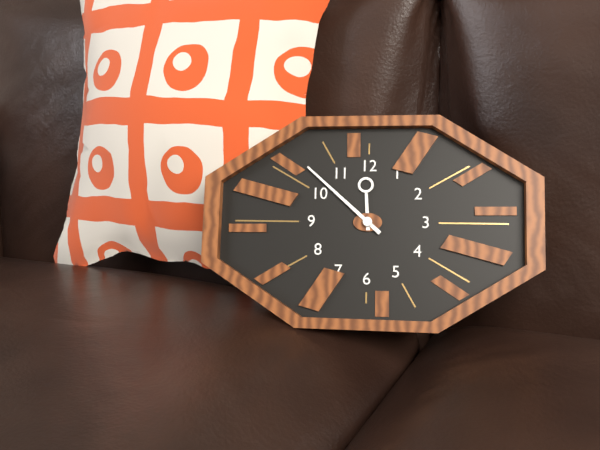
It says 11:52
